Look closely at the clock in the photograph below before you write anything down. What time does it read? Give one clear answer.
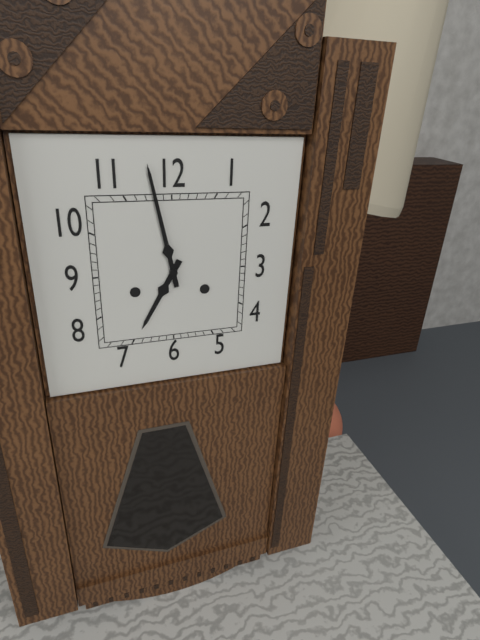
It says 6:58
